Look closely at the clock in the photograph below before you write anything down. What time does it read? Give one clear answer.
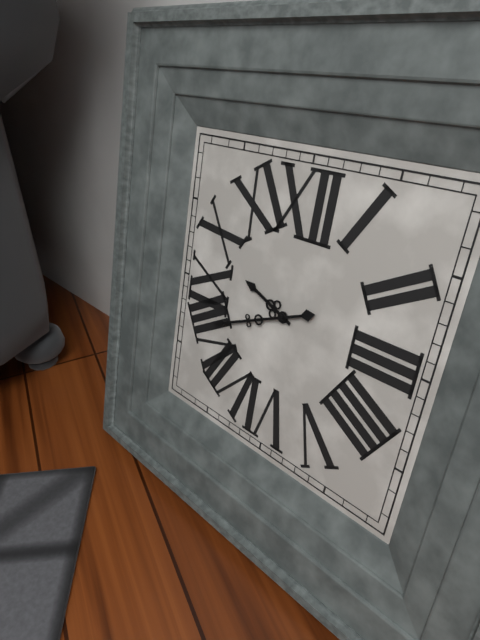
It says 9:41
